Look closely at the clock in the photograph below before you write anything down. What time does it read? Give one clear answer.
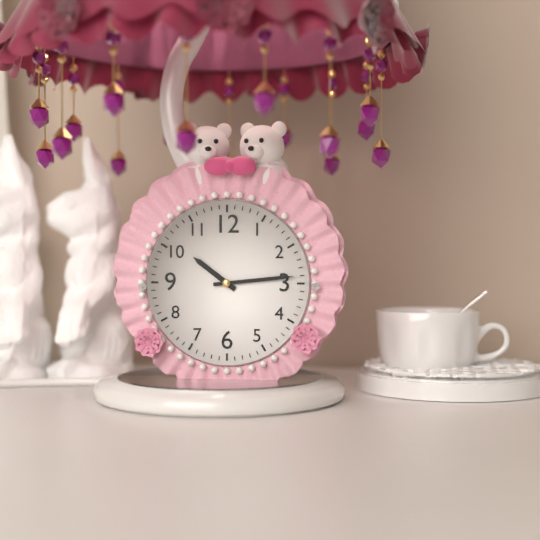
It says 10:14
